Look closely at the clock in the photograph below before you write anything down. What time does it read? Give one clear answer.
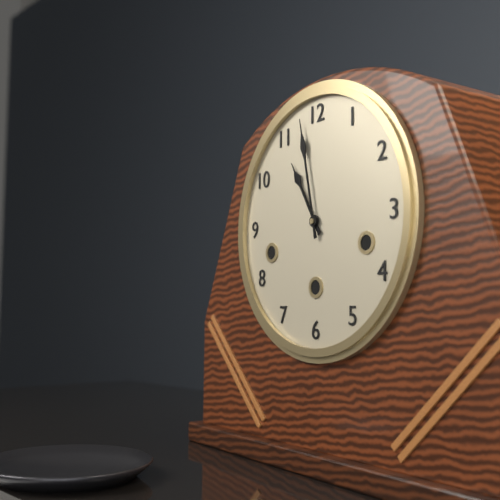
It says 10:58
